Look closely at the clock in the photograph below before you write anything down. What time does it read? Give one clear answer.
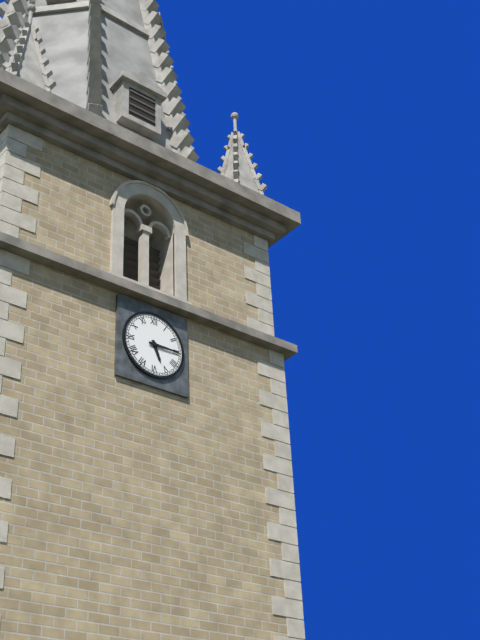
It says 5:15
